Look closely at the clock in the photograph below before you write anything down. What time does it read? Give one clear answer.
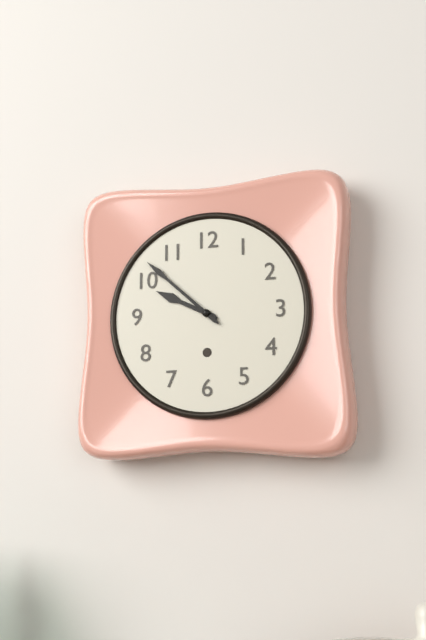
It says 9:52
